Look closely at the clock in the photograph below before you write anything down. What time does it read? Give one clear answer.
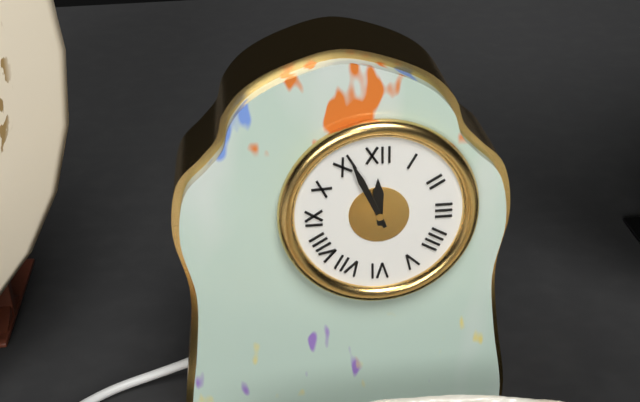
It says 11:56
